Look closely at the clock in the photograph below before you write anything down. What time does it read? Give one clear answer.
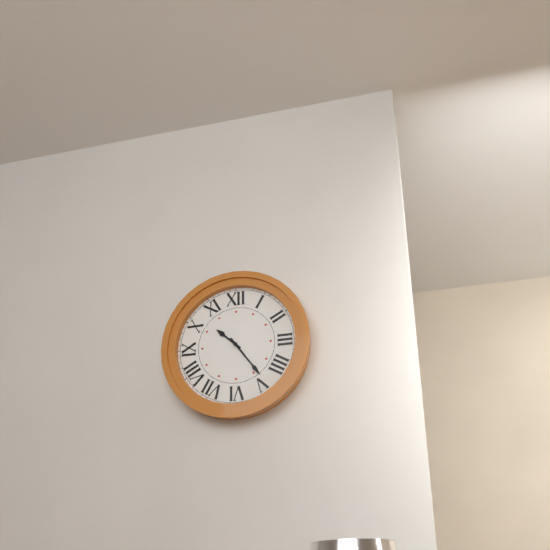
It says 10:24
